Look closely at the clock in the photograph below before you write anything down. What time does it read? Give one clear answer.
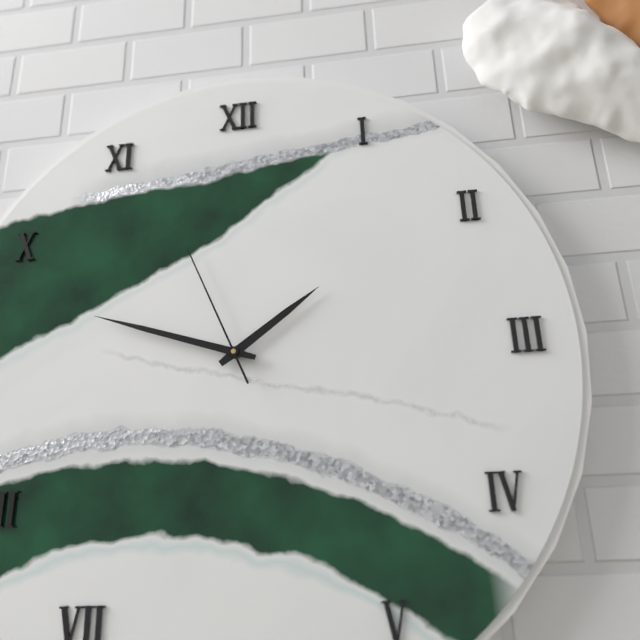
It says 1:48:56
